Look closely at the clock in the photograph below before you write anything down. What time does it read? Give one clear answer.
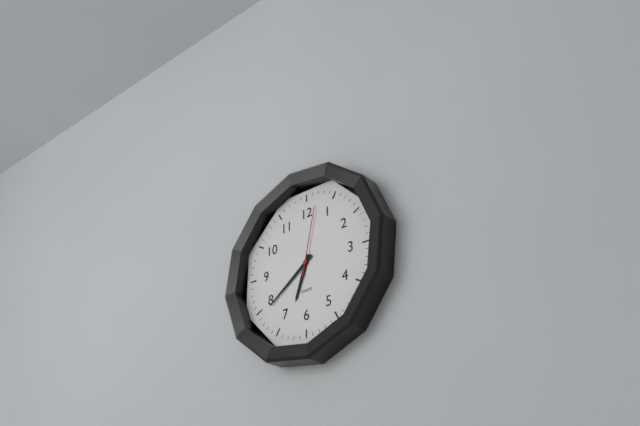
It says 6:39:02
